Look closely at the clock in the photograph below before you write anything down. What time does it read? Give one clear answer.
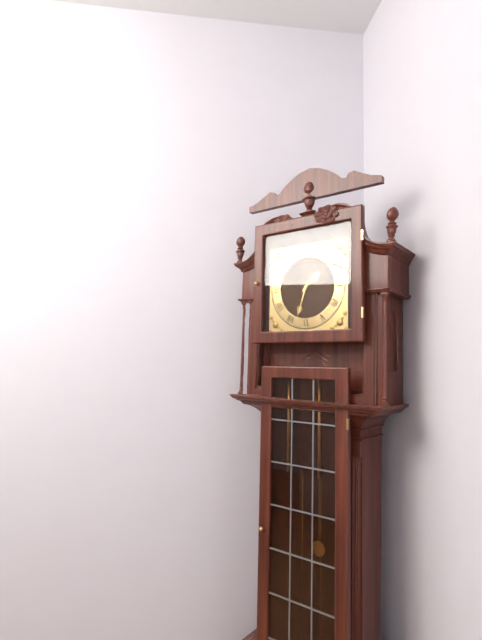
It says 1:33
